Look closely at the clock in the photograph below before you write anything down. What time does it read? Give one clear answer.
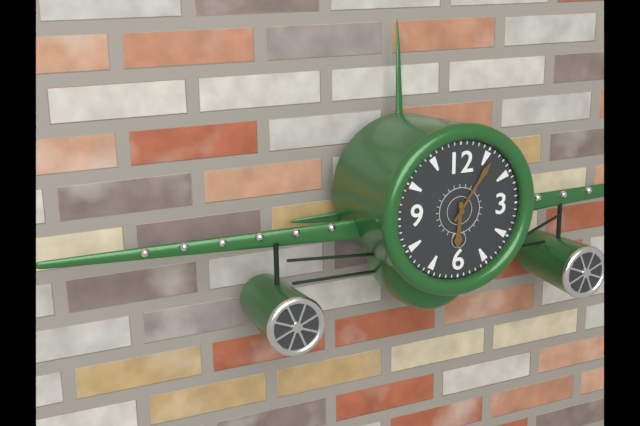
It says 6:06
